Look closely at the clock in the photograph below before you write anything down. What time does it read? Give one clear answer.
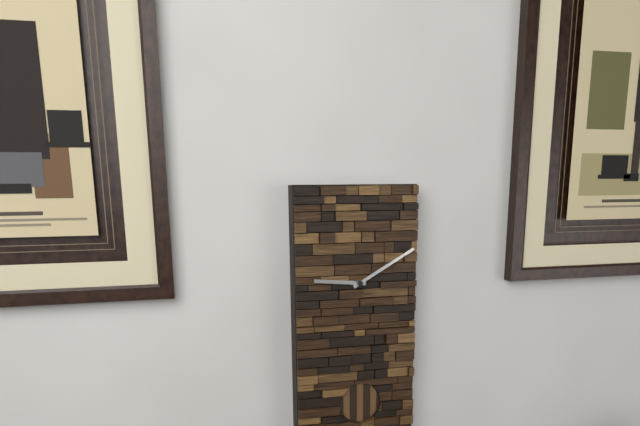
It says 9:10
